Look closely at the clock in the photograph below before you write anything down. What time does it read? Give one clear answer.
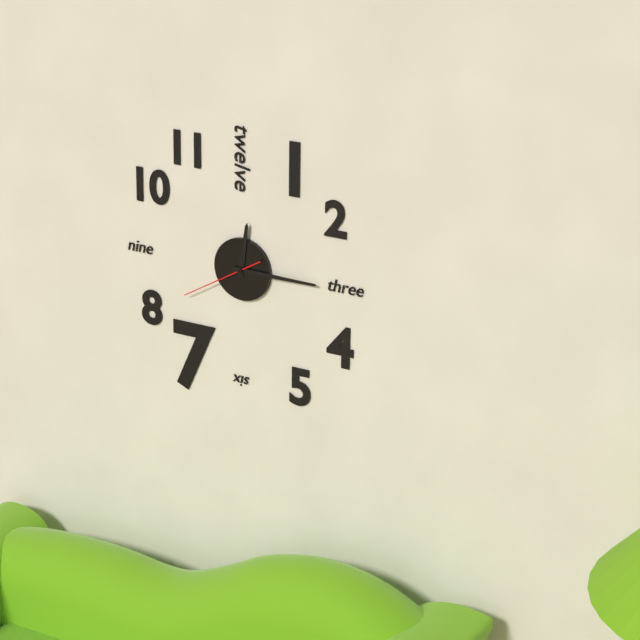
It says 12:15:40
